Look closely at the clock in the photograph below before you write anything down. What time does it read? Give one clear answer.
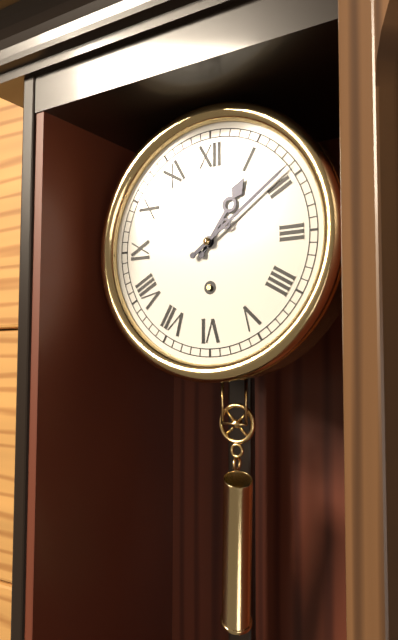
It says 1:09
